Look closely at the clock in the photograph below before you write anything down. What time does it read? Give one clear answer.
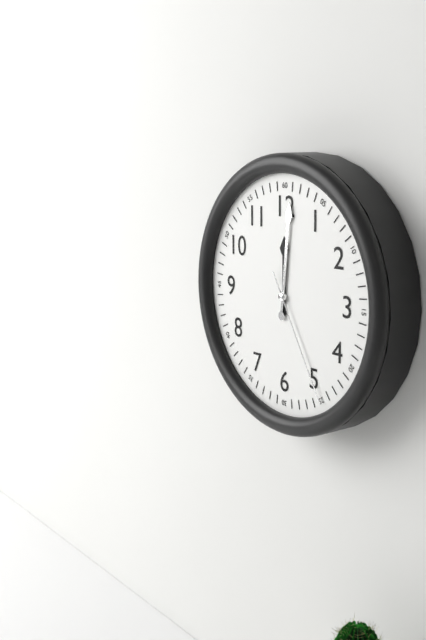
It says 12:01:25
